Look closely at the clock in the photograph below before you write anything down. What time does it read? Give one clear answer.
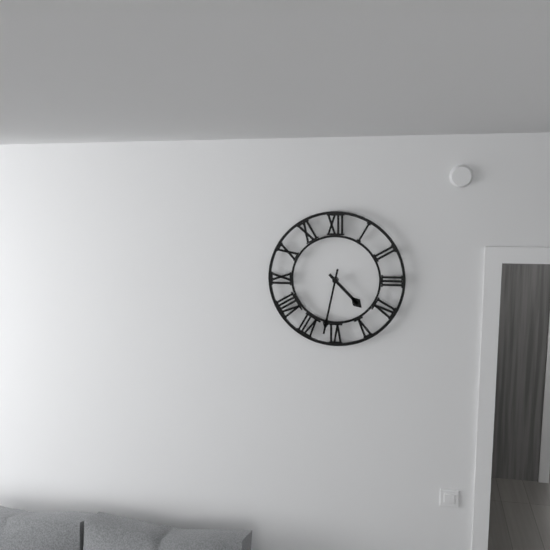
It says 4:32
